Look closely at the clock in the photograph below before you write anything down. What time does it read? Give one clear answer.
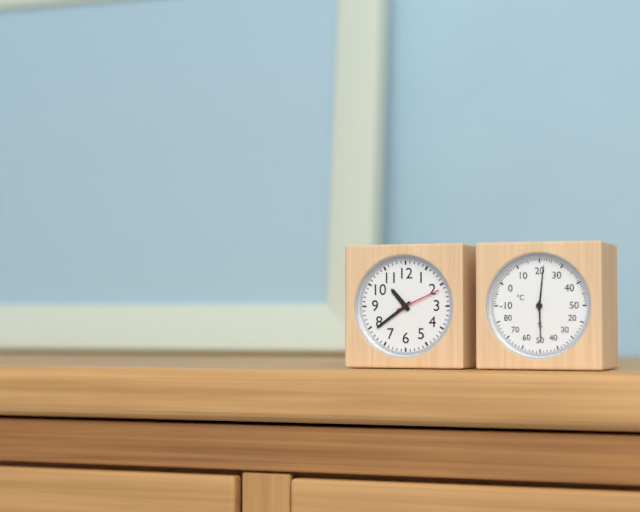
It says 10:39
